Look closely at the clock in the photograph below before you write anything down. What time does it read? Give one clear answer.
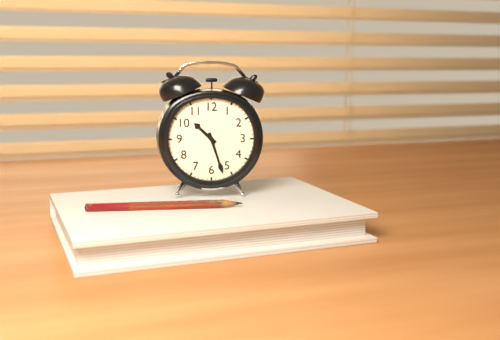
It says 10:27
